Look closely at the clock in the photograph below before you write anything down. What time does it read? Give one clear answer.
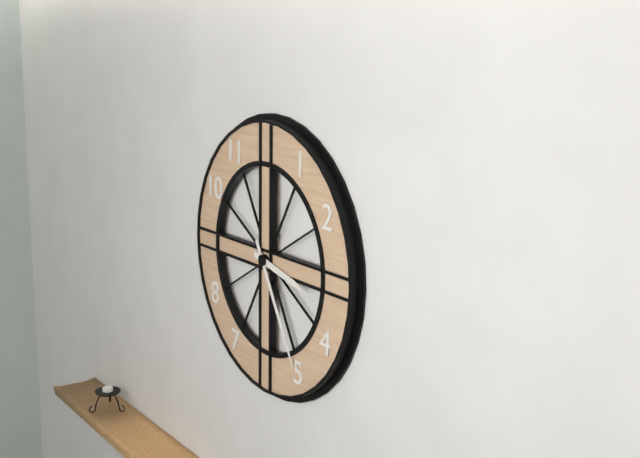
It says 3:25
